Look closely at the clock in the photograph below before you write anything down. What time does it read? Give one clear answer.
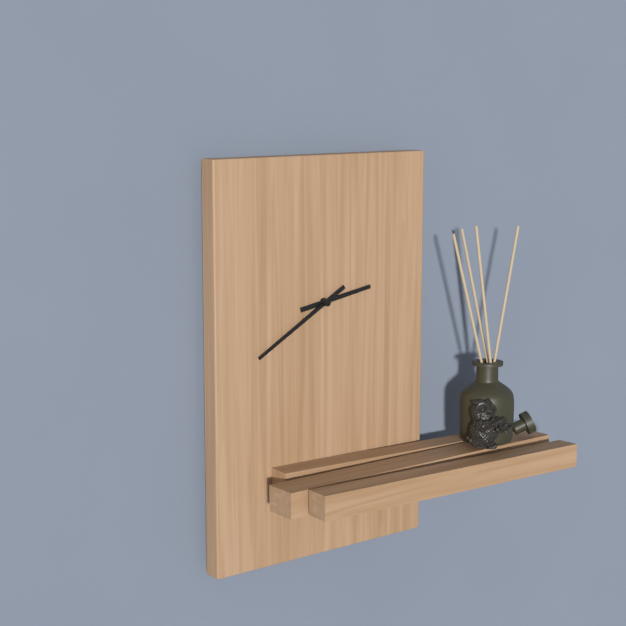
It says 2:40
